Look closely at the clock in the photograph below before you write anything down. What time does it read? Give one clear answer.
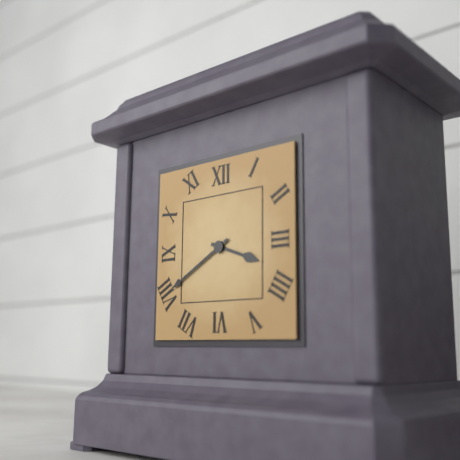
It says 3:40
